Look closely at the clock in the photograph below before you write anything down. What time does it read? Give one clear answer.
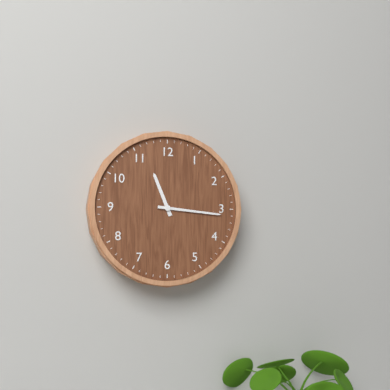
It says 11:16
